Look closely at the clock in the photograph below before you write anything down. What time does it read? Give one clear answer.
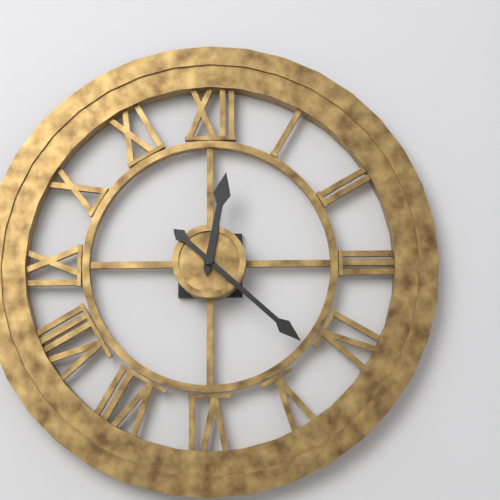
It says 12:22
